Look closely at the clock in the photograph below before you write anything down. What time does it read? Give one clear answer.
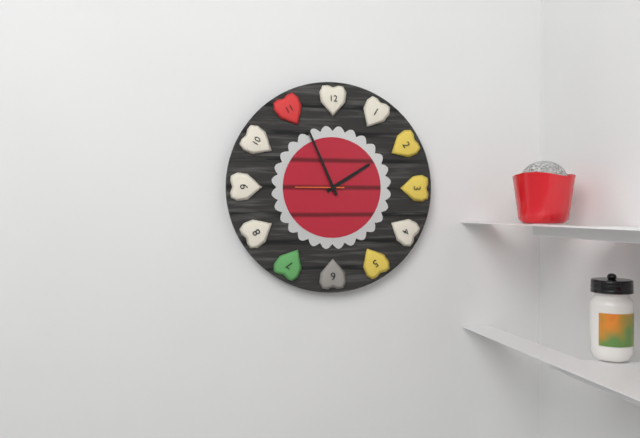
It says 1:56
